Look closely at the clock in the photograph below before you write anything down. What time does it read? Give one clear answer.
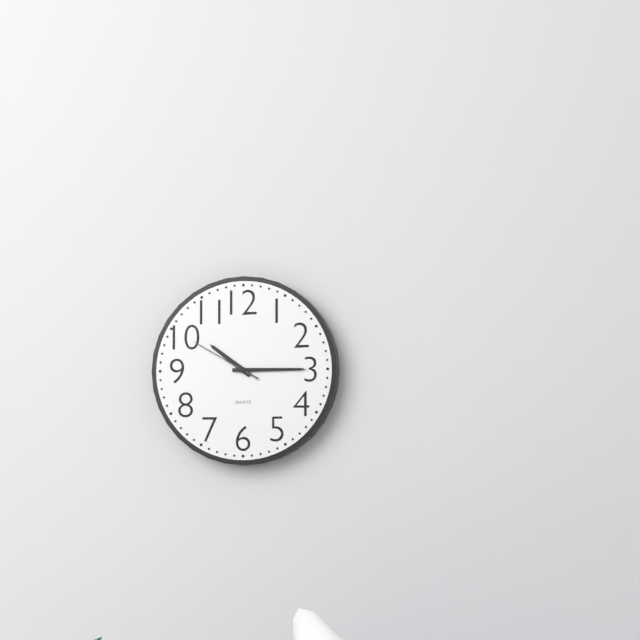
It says 10:15:50
